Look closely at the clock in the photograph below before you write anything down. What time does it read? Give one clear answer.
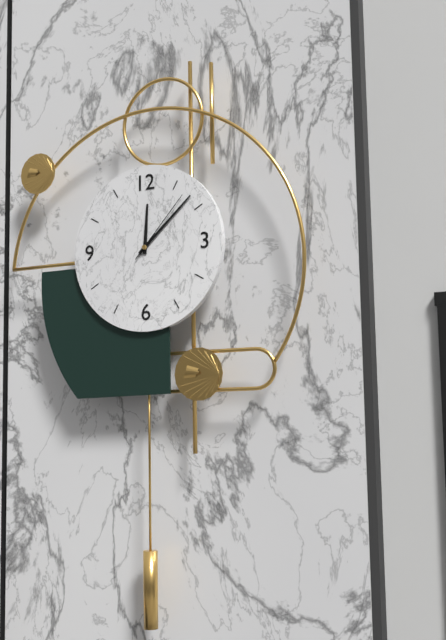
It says 12:08:07
